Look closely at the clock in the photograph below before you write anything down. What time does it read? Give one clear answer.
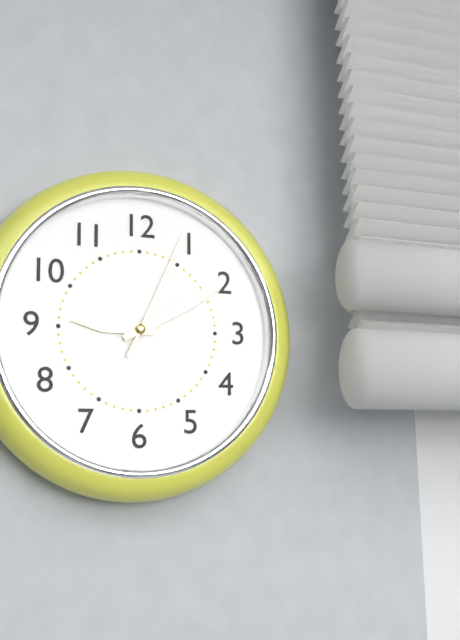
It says 9:10:04
